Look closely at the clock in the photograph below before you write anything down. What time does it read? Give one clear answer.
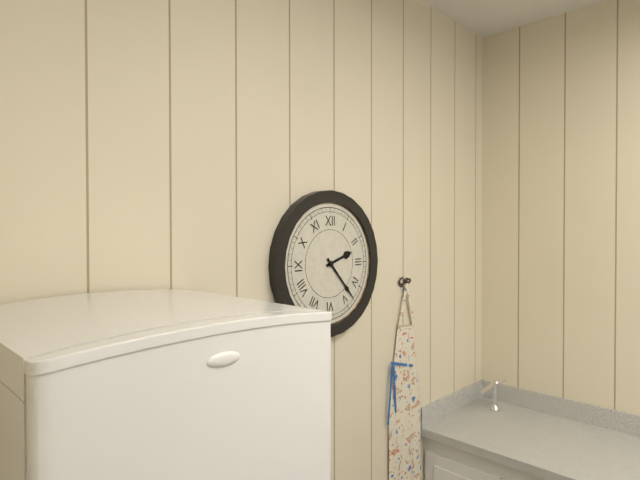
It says 2:23
